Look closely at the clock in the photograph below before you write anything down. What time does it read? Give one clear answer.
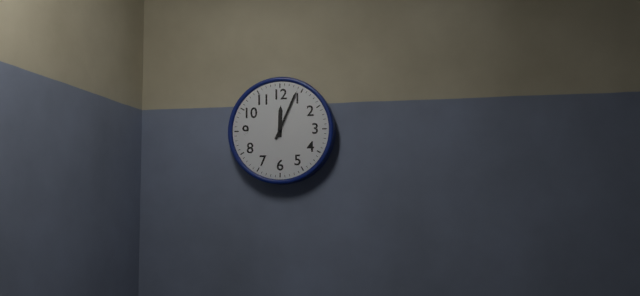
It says 12:04
